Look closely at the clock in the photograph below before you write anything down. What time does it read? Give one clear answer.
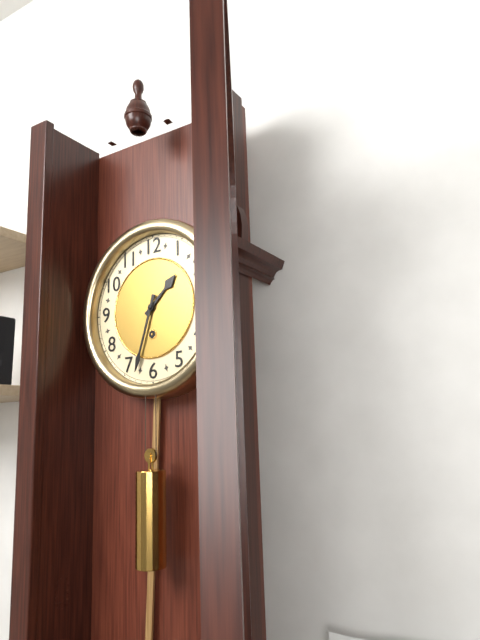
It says 1:33
